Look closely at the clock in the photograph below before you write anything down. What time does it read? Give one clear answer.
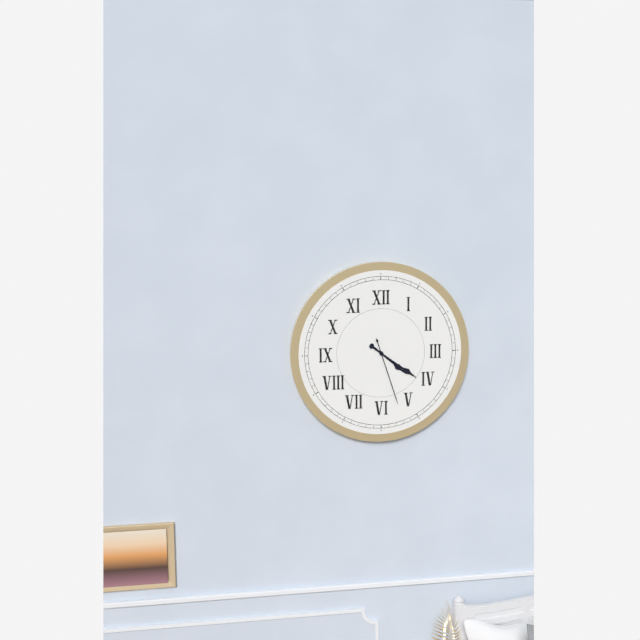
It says 4:21:27
